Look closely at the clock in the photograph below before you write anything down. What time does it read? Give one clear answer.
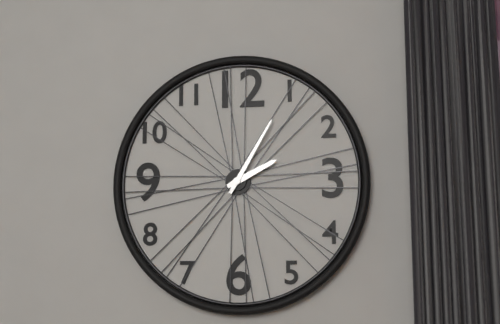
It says 2:05
